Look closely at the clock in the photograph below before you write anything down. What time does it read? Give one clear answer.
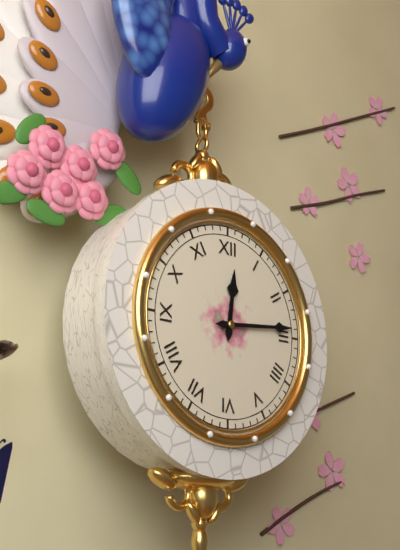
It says 12:14
